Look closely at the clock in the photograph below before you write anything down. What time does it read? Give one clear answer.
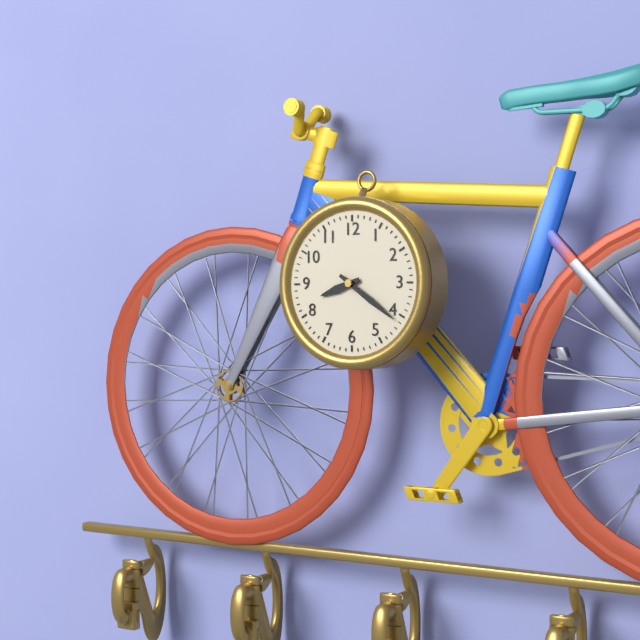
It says 8:21
